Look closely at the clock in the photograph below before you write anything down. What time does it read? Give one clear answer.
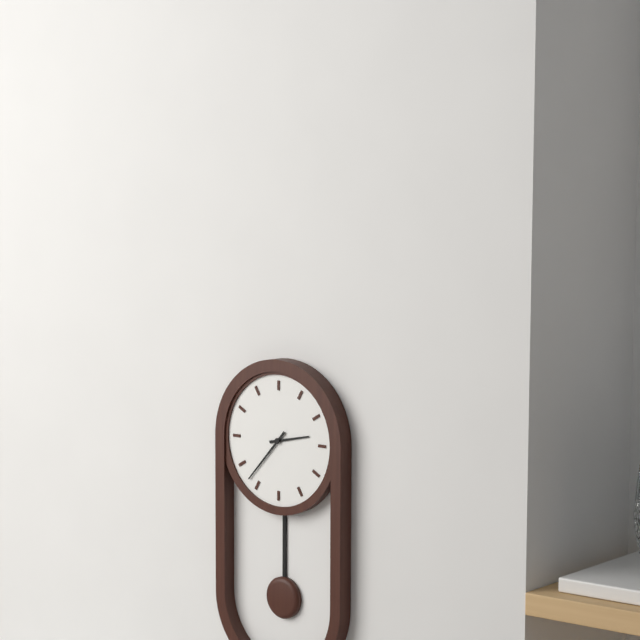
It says 2:37
